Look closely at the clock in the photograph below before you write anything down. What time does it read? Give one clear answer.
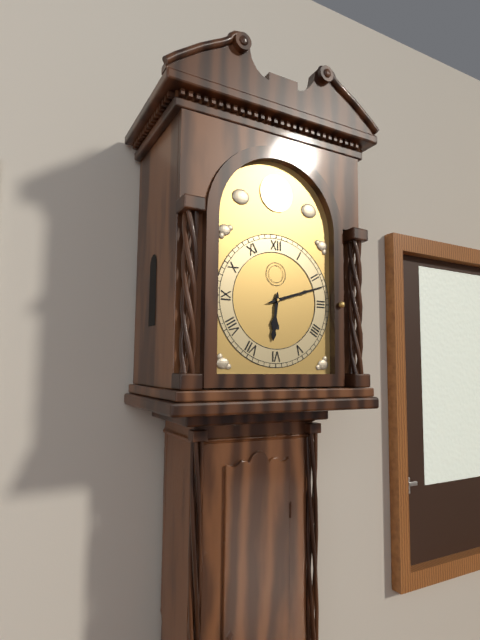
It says 6:12
